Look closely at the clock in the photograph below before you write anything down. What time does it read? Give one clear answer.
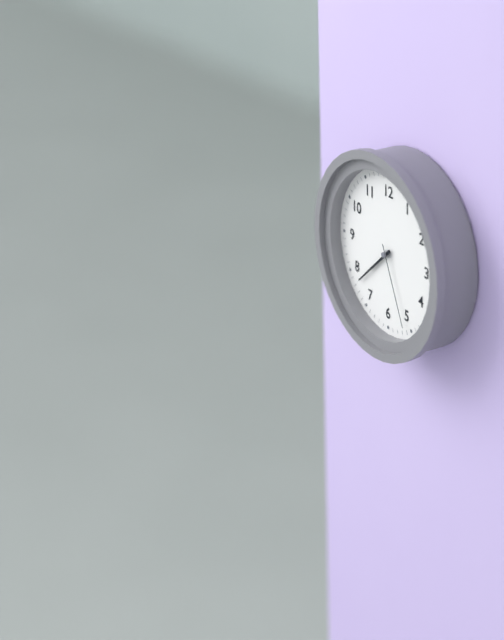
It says 7:38:26
